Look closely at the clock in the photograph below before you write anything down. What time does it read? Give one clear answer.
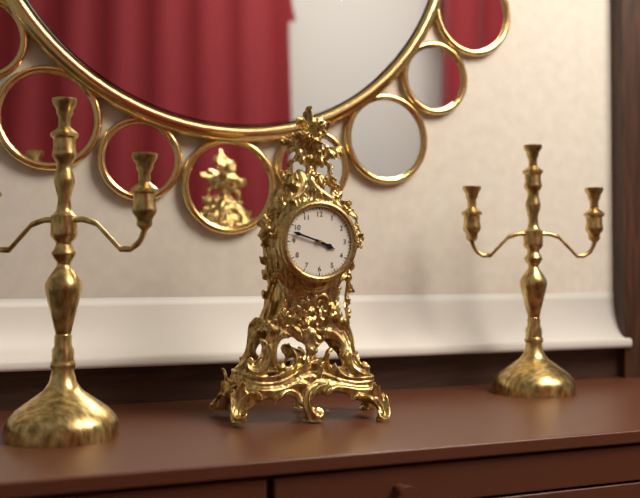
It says 3:48
